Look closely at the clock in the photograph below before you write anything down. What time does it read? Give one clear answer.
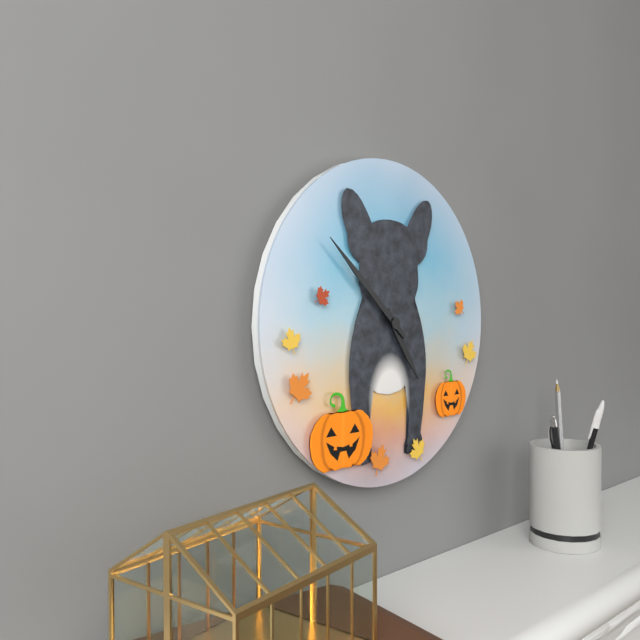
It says 4:52
